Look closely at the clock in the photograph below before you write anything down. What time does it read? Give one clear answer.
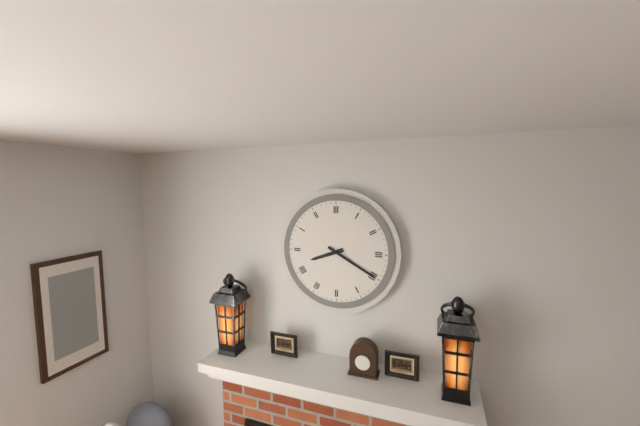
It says 8:20
